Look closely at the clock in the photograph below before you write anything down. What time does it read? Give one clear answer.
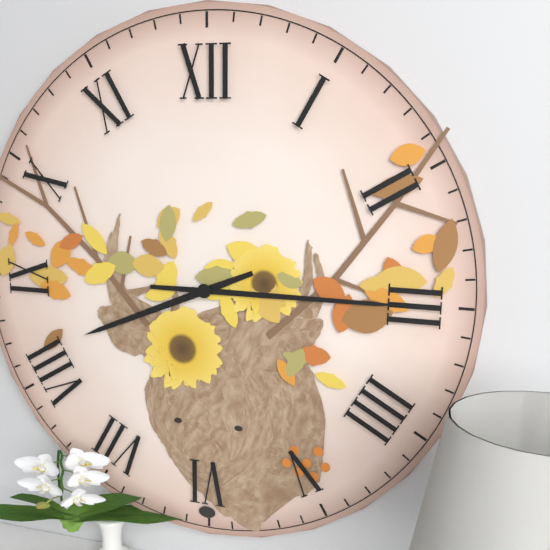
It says 8:15
